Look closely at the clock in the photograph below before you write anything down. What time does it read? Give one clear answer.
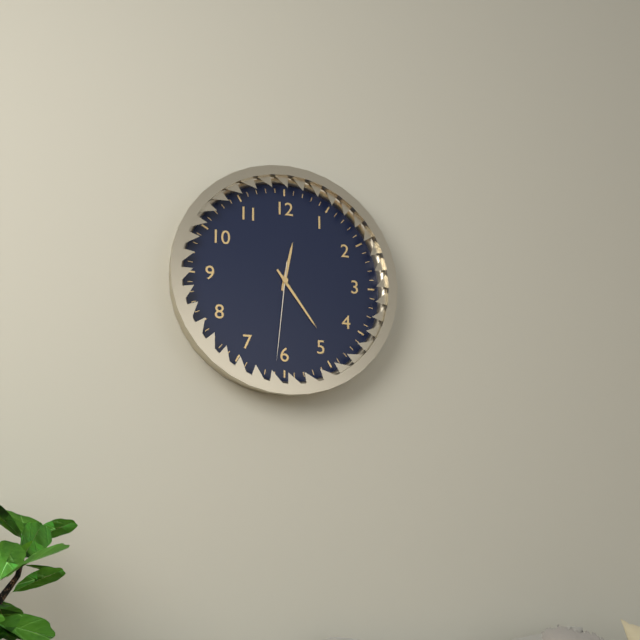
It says 12:24:31
